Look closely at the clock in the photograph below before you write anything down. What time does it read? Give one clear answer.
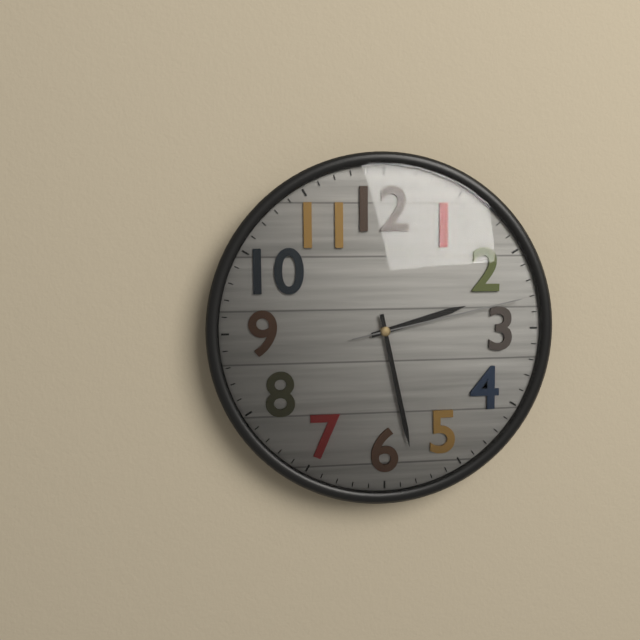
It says 2:28:13
